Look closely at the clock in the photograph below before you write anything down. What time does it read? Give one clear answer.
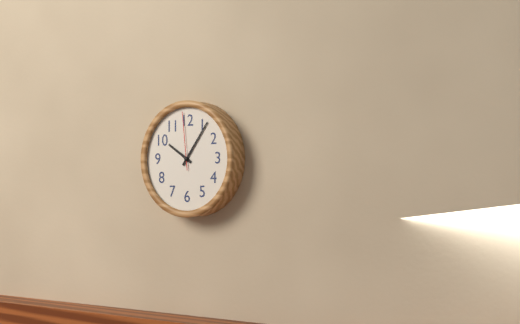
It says 10:06:59
